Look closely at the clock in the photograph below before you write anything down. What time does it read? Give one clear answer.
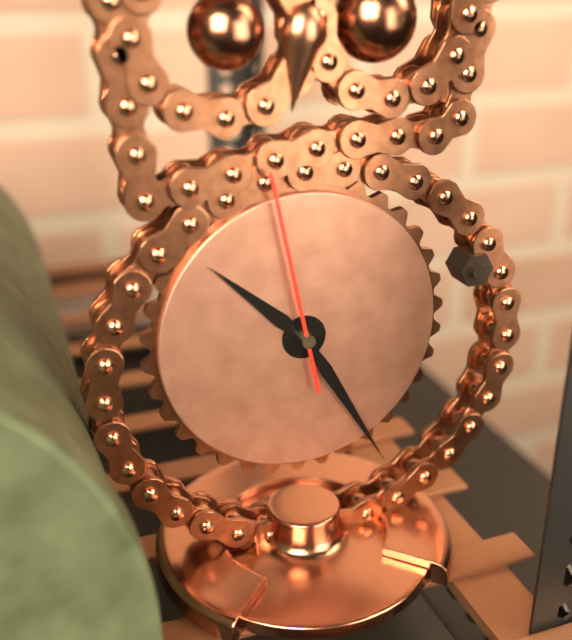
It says 10:25:58
